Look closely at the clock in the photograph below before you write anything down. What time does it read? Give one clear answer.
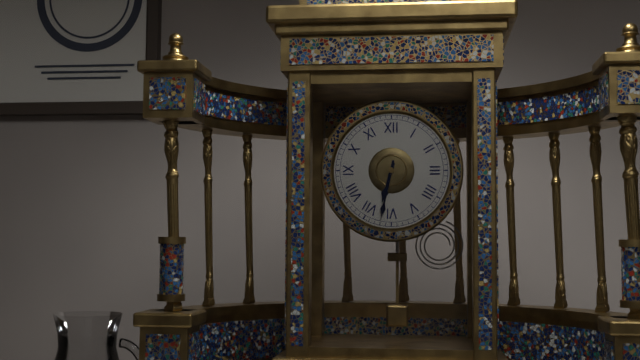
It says 6:32
